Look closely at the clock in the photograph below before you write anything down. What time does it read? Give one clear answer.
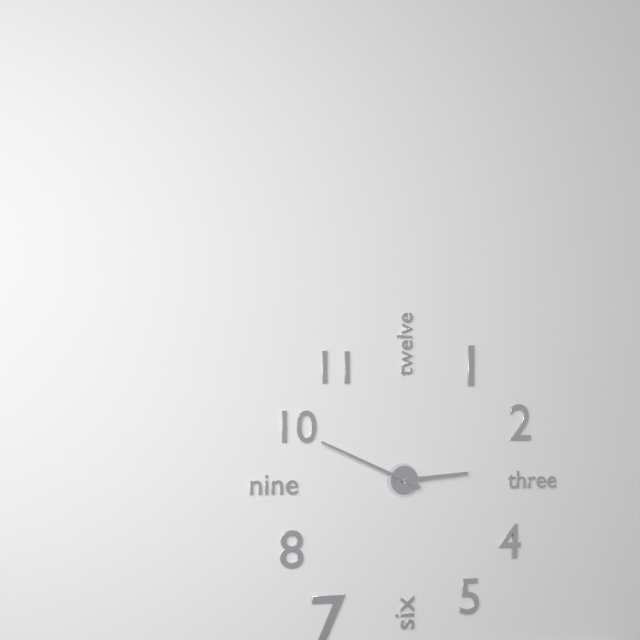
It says 2:49
